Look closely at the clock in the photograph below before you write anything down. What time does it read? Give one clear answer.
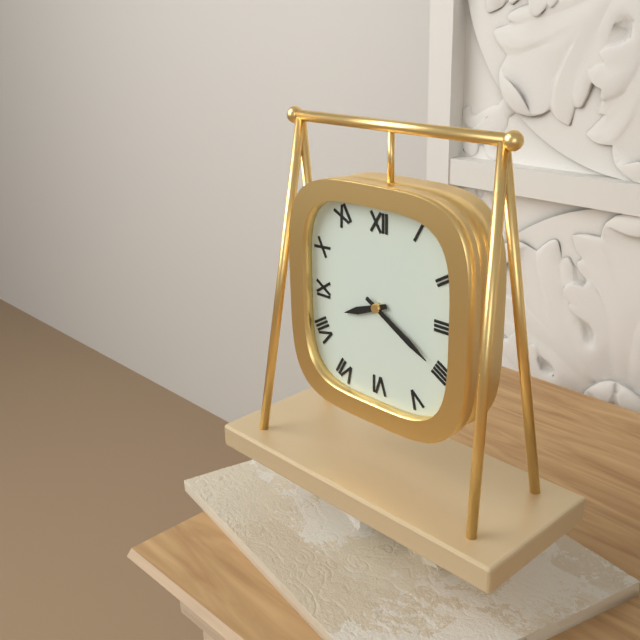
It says 8:20
